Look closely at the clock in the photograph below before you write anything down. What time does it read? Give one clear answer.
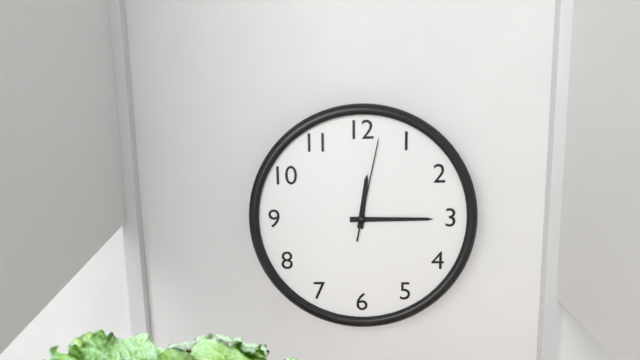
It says 12:15:02
